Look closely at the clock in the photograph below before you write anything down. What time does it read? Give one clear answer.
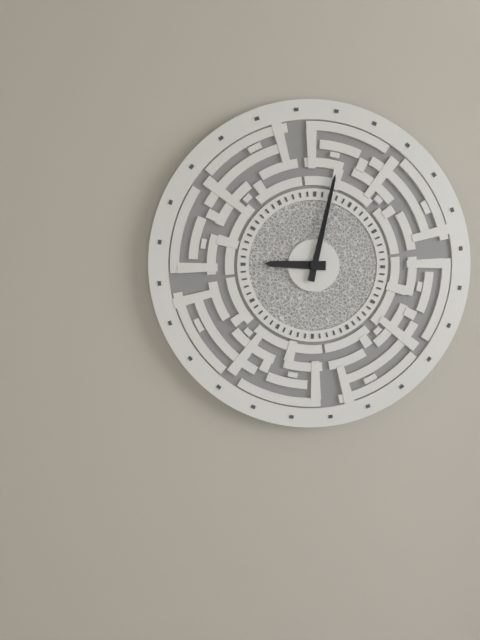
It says 9:02
